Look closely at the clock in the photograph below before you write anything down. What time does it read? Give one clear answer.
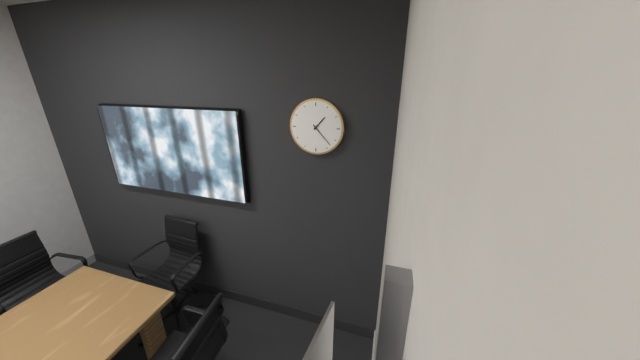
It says 1:23
